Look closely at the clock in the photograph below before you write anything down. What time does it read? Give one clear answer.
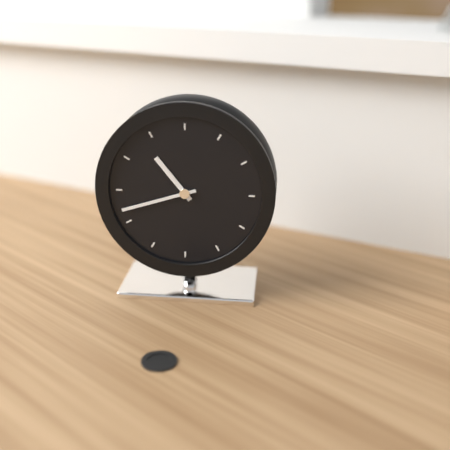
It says 10:42
